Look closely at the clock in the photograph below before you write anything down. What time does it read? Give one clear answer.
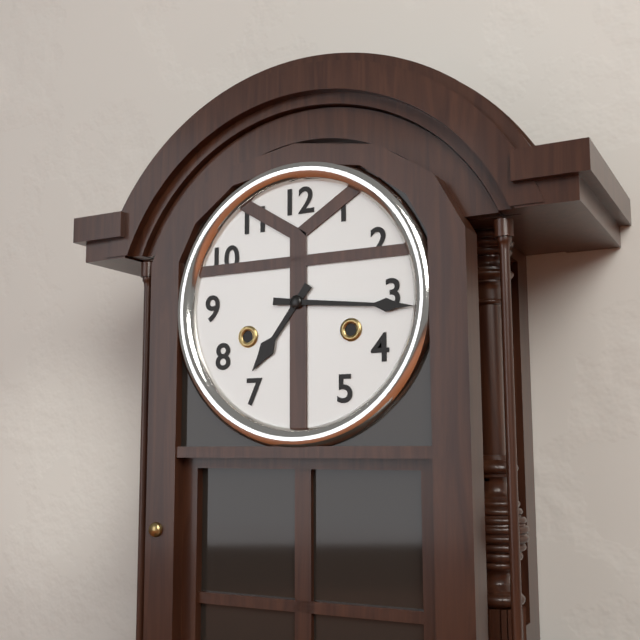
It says 7:16
